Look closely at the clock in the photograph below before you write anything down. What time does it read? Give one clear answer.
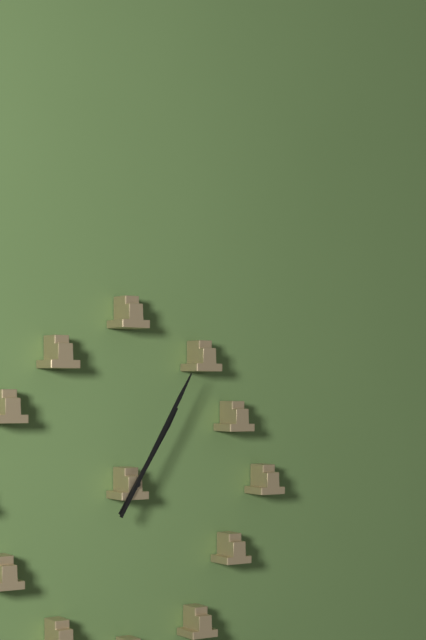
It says 1:05
